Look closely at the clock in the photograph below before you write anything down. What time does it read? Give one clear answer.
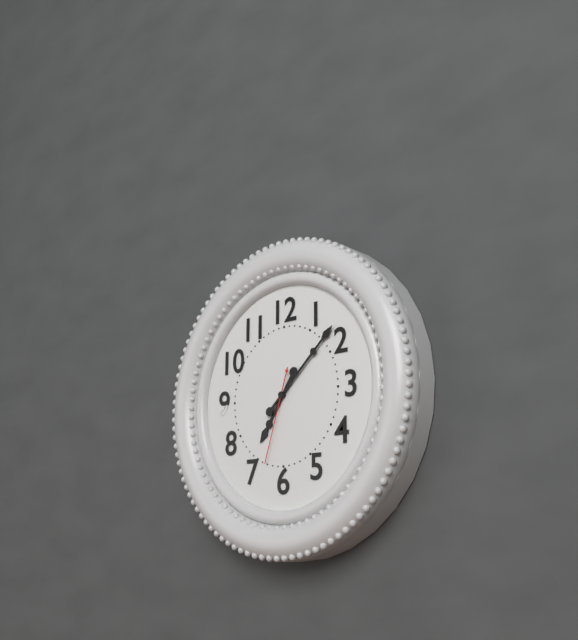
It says 7:08:33
